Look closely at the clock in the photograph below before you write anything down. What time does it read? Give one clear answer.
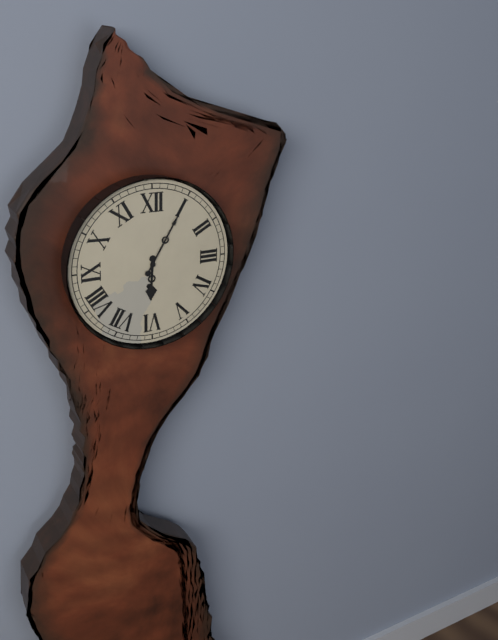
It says 6:05
